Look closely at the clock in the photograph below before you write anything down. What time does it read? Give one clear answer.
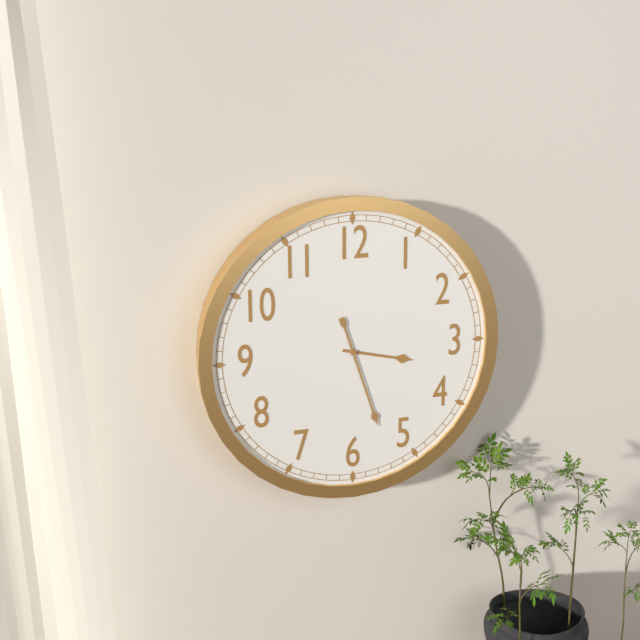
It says 3:27
